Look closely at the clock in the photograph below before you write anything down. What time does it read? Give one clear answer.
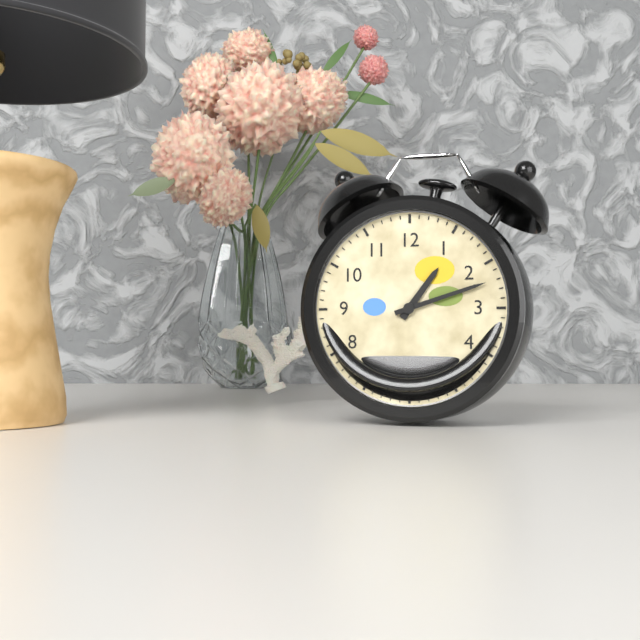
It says 1:12
